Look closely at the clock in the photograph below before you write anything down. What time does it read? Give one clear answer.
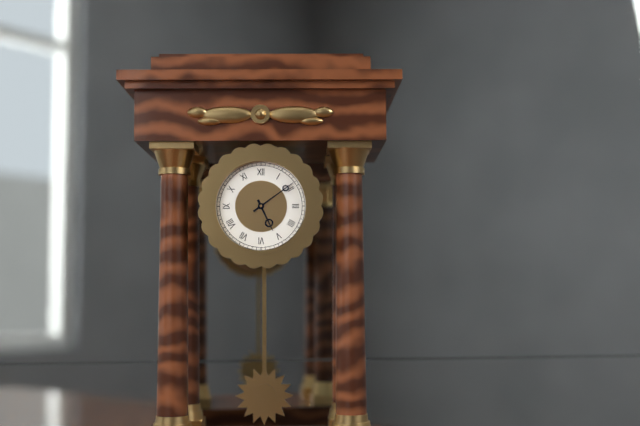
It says 5:09
